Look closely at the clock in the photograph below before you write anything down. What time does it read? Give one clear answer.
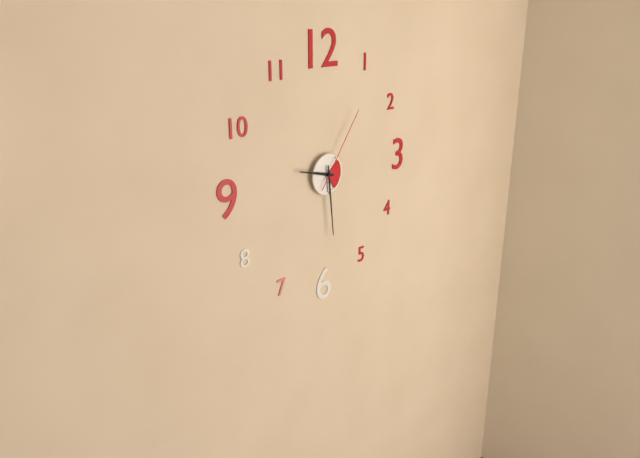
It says 9:29:06
